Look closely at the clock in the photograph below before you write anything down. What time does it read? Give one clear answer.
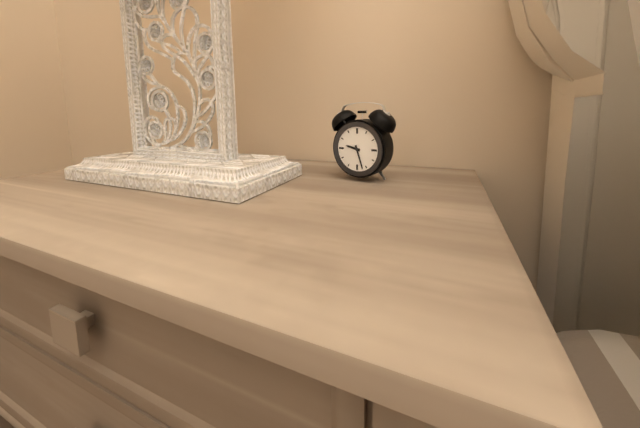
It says 9:27
